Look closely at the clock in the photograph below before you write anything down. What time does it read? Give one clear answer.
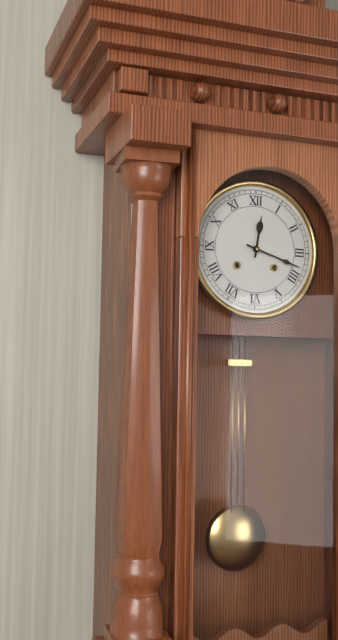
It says 12:18
